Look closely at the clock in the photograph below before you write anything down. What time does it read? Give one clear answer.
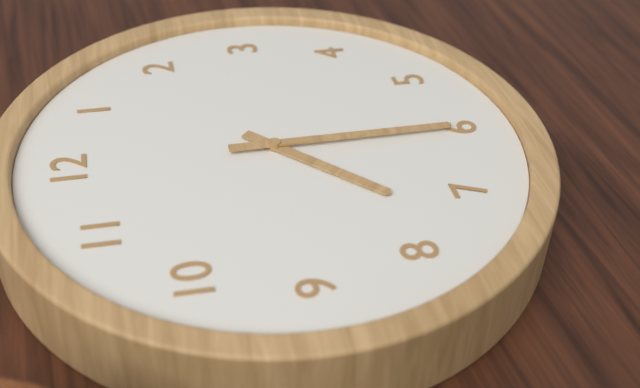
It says 7:30
